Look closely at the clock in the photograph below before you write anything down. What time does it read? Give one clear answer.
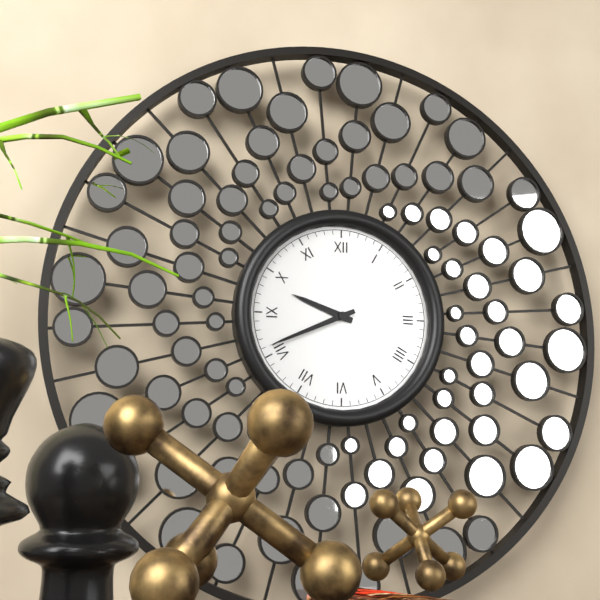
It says 9:41
